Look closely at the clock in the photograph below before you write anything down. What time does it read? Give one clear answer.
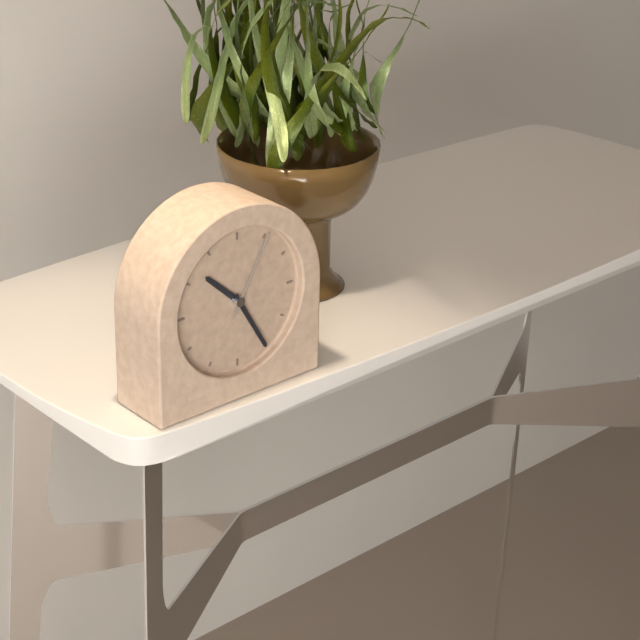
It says 10:25:05
